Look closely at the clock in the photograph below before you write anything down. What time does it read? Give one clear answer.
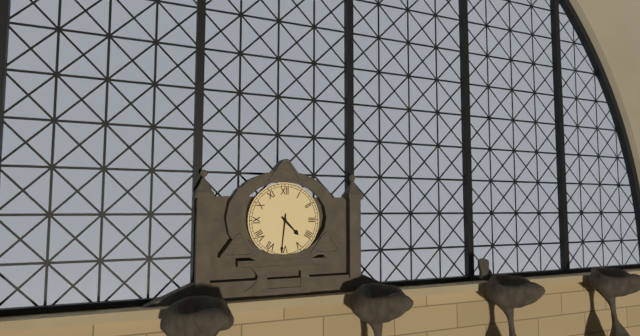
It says 4:31
